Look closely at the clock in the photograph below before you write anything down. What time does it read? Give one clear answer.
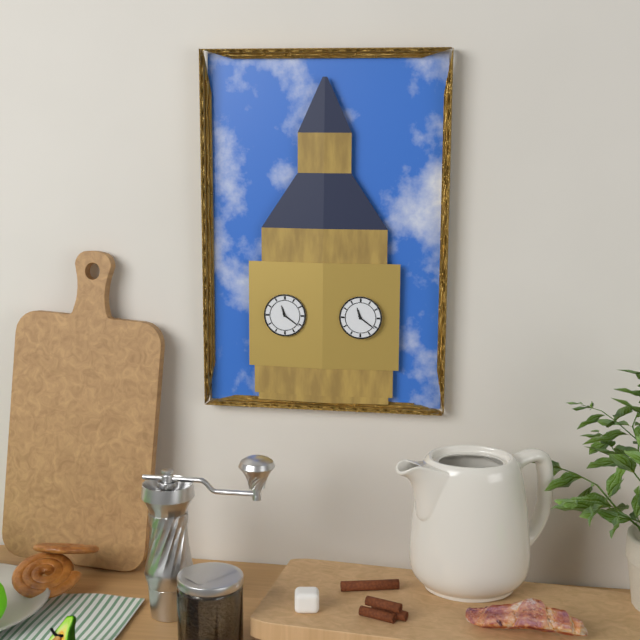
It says 11:21
